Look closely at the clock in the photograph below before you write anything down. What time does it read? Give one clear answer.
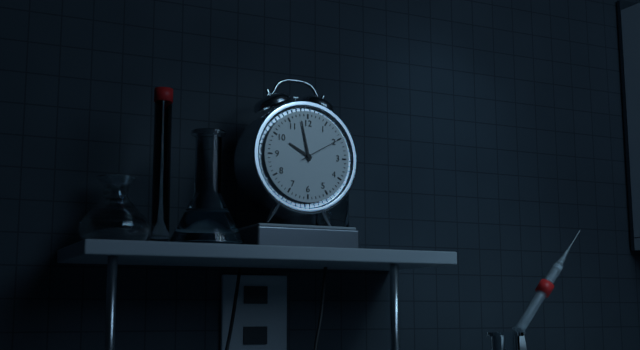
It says 9:58
